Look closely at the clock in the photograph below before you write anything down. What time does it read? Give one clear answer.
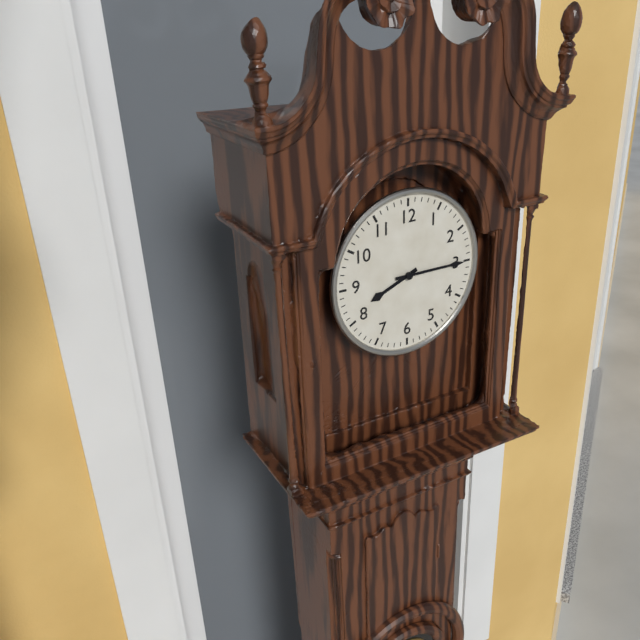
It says 8:15
